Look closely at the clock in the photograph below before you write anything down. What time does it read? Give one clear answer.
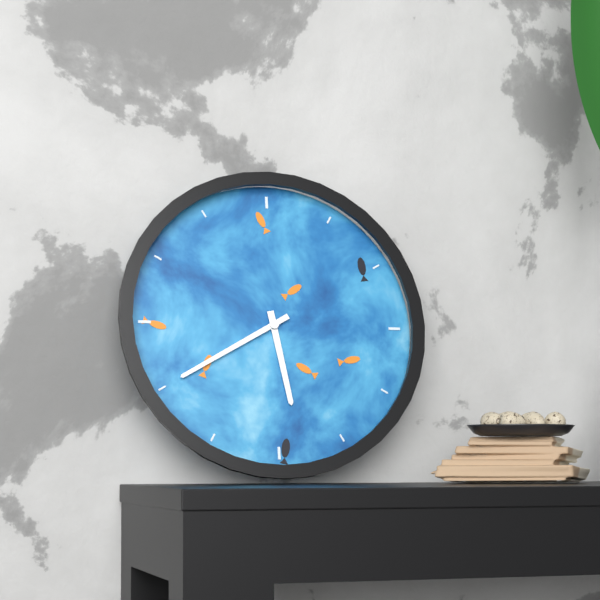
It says 5:40
